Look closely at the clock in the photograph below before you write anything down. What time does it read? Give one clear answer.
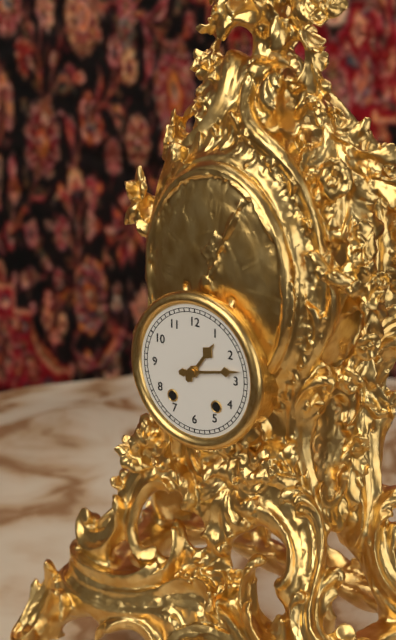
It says 1:13
